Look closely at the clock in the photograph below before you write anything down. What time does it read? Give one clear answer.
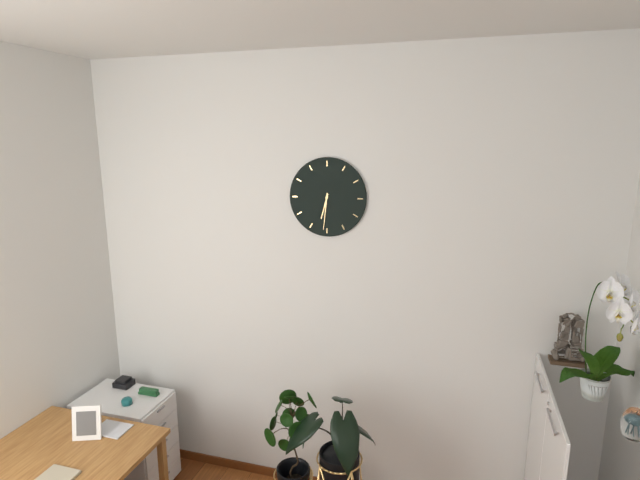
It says 6:31
